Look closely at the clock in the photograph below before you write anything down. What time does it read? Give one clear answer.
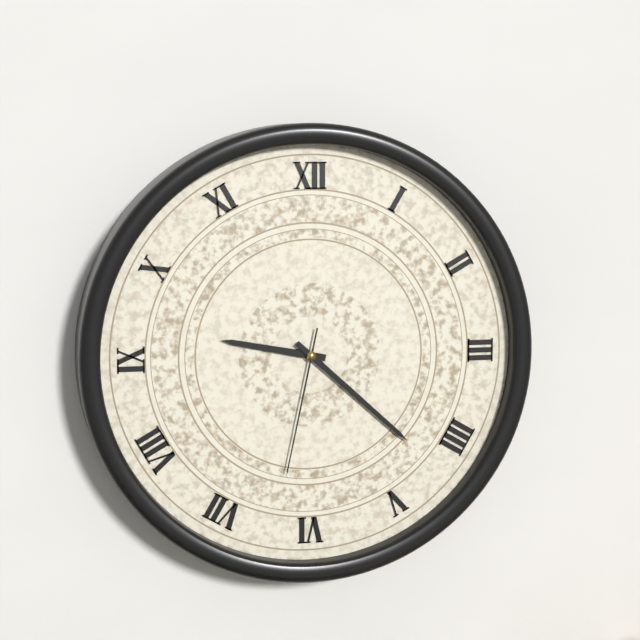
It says 9:22:32
